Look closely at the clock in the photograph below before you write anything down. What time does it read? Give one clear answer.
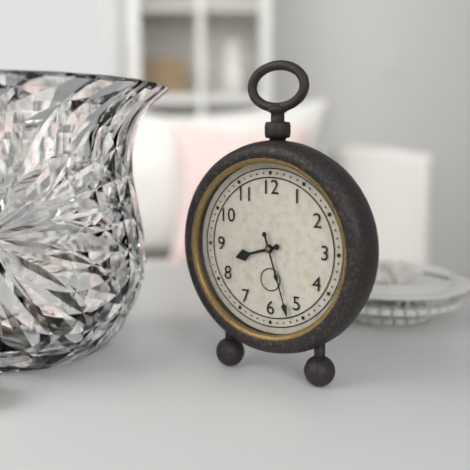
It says 8:27
